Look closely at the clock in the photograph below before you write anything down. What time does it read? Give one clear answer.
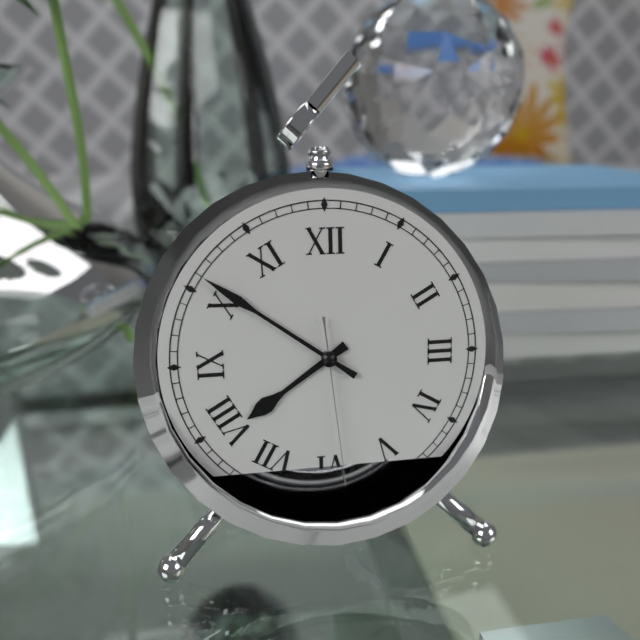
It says 7:51:29
